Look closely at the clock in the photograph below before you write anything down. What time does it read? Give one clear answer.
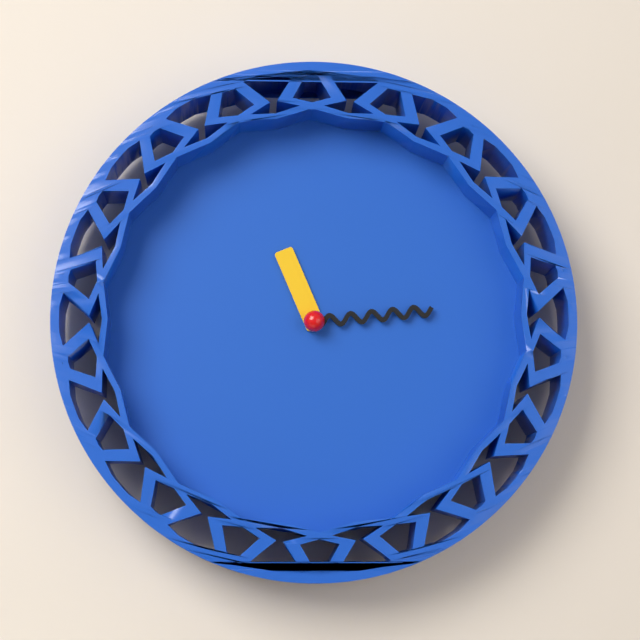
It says 11:14
